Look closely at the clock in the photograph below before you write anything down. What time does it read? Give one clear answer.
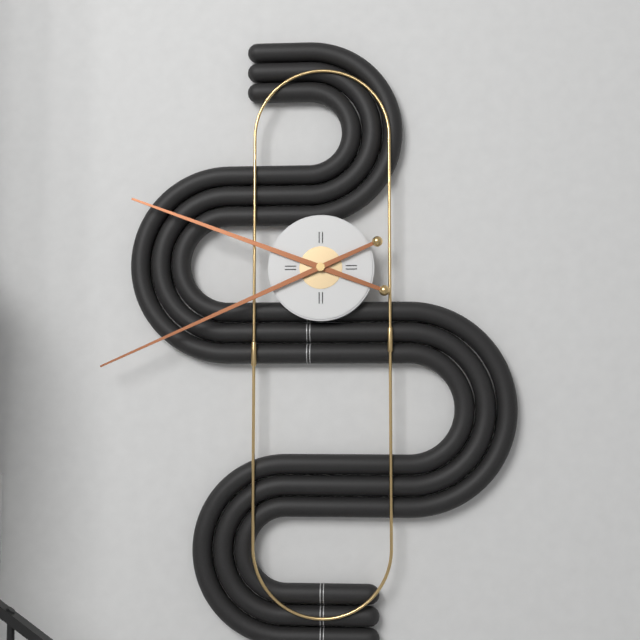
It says 9:41
